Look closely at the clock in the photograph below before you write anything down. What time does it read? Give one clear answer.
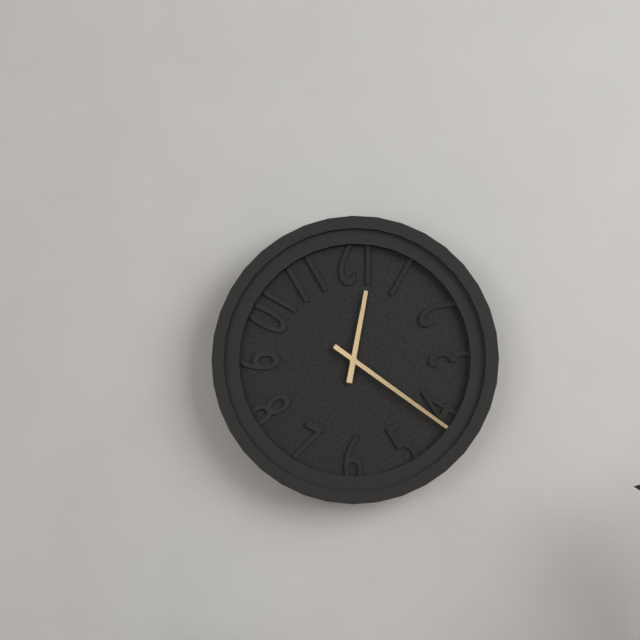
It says 12:21
